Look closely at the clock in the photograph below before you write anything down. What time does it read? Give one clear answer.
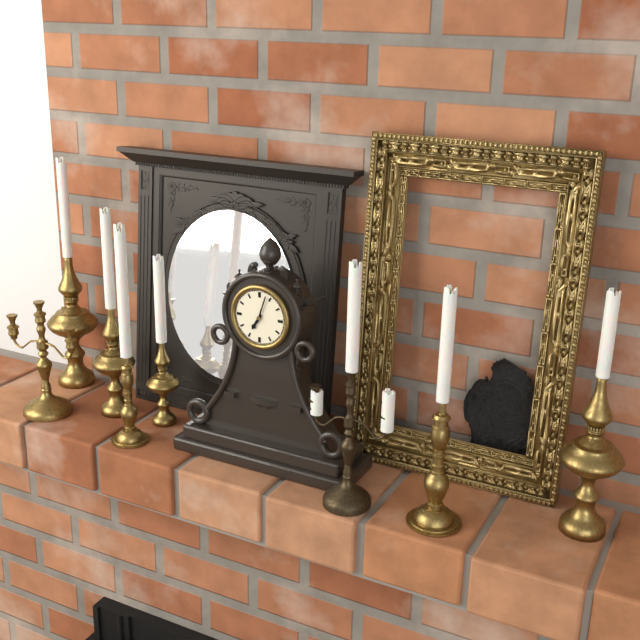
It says 7:03
